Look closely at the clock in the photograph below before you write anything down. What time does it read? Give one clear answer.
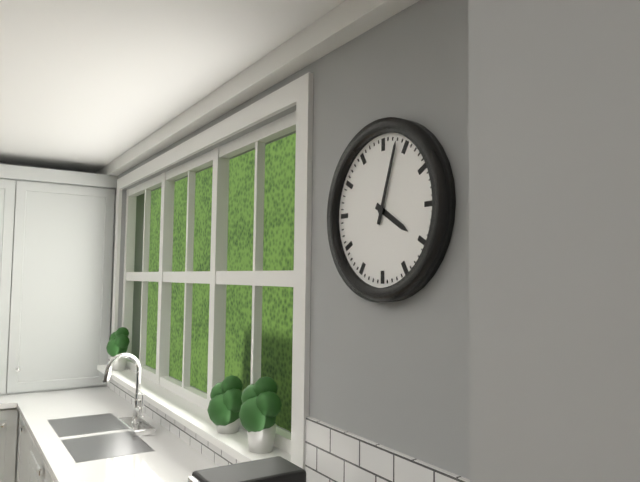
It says 4:03
